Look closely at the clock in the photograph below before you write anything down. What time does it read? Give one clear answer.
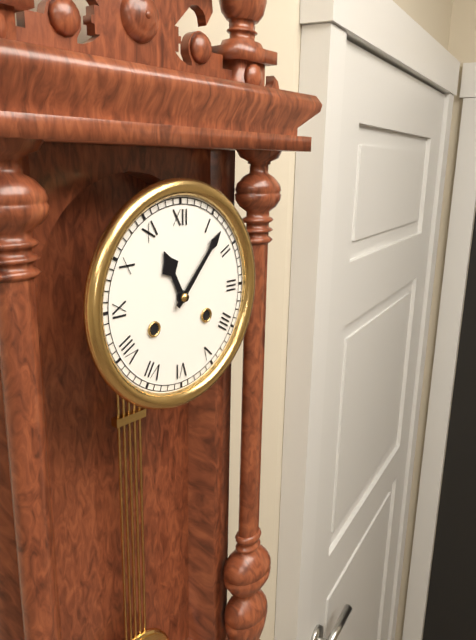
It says 11:07
